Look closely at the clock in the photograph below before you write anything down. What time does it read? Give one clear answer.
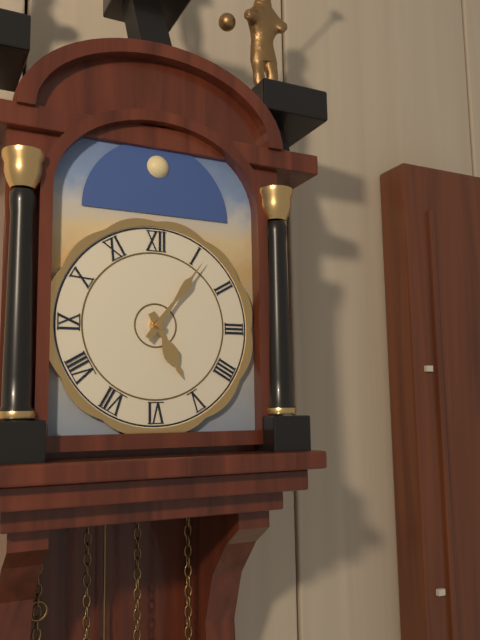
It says 5:06
